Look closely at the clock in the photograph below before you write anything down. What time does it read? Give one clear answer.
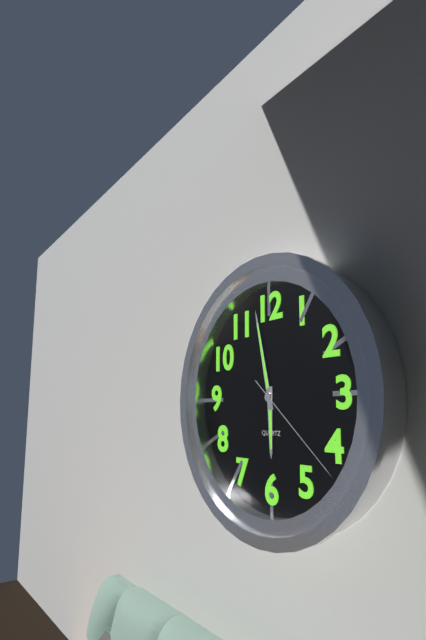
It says 5:58:22
